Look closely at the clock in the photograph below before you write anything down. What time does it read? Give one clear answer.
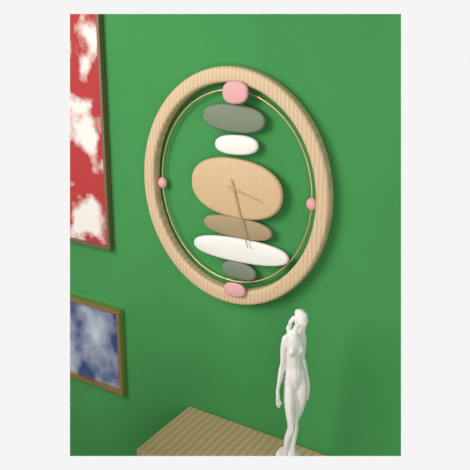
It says 3:27
